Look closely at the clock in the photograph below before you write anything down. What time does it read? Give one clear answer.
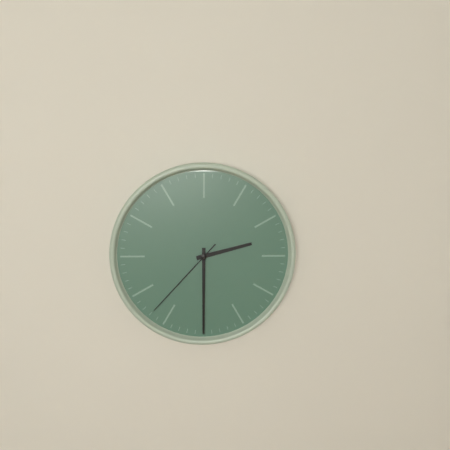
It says 2:30:37
